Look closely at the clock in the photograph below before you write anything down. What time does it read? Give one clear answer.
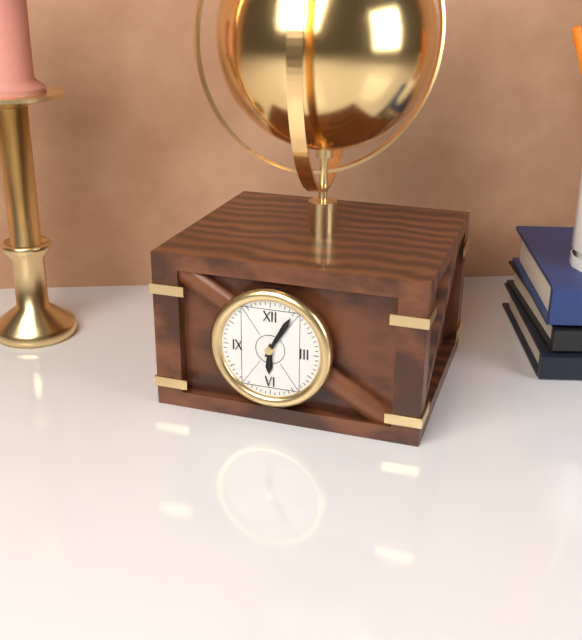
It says 6:05
